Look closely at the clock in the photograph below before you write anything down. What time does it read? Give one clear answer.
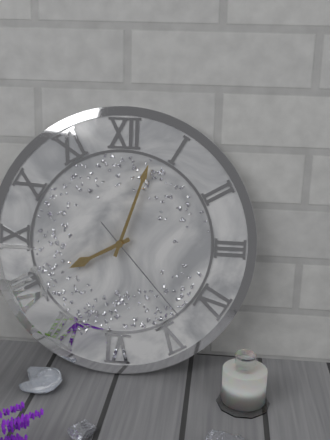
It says 8:03:23
